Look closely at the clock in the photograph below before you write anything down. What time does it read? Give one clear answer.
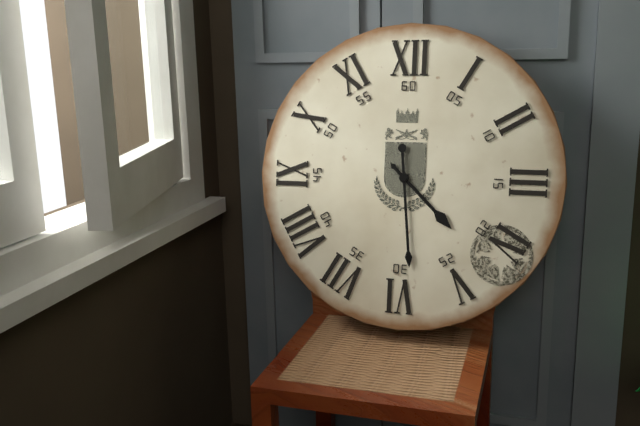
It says 4:29
